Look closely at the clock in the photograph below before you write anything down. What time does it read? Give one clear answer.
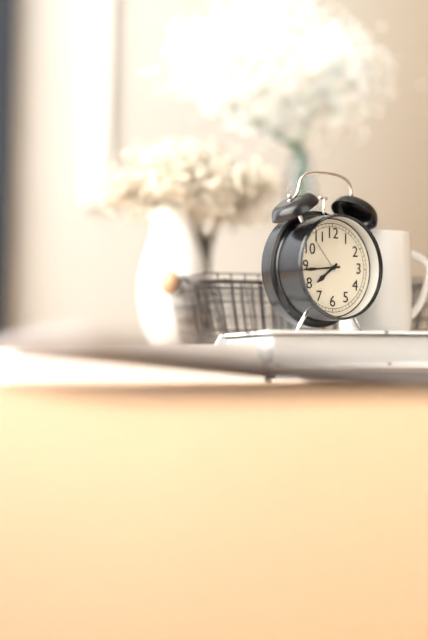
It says 7:44
